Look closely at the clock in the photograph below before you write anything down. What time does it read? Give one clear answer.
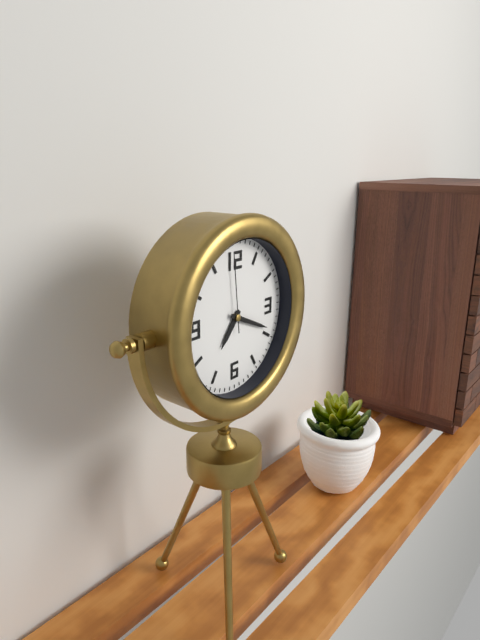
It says 7:19:59
